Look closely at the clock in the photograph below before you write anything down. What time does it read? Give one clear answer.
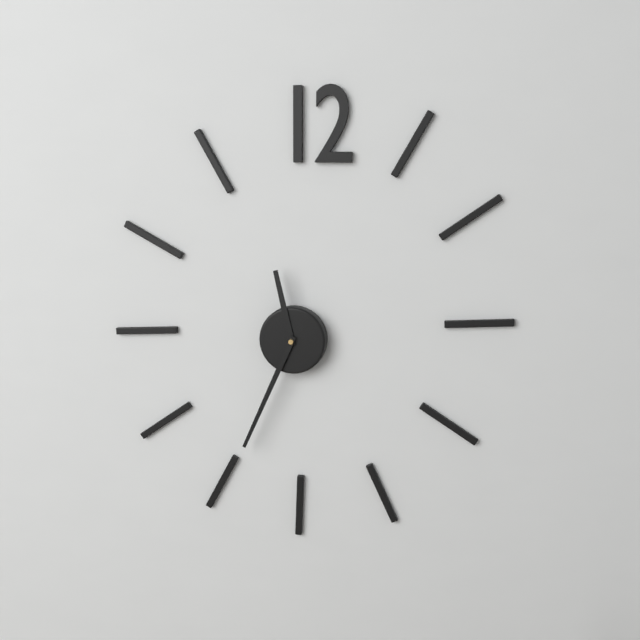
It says 11:34
